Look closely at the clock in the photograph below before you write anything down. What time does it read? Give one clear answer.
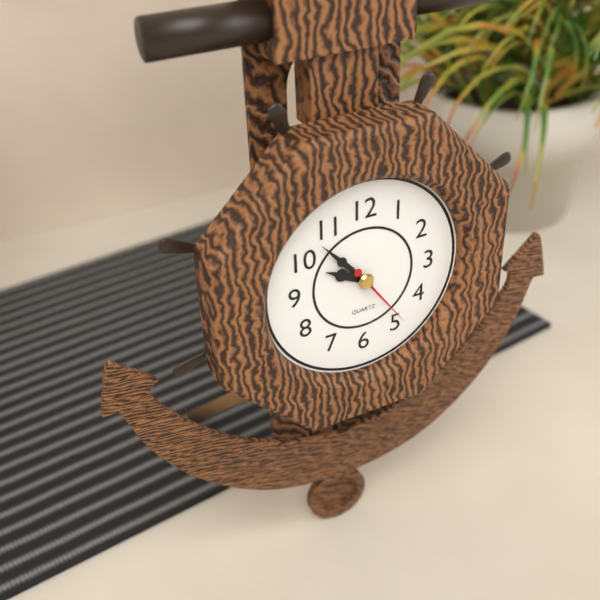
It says 9:53:24
